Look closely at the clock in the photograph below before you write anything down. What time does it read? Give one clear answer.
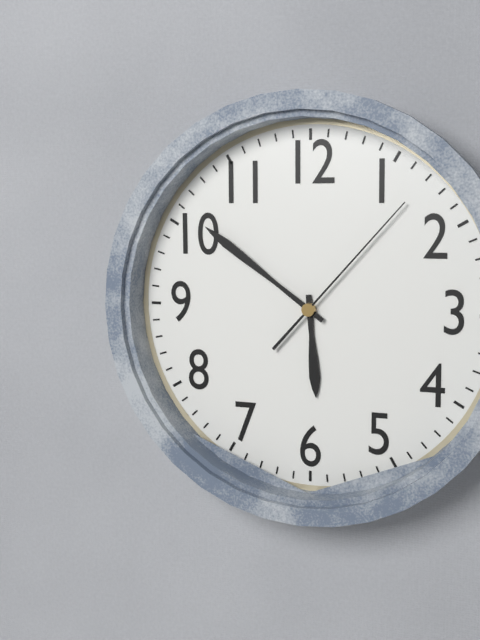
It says 5:51:07
